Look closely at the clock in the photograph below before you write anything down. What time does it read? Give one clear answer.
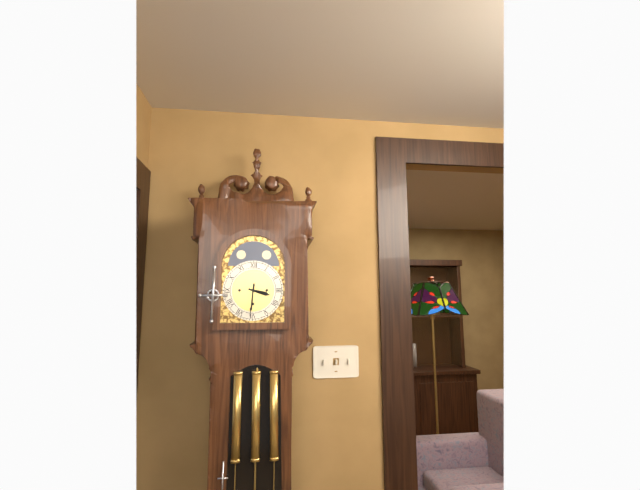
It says 3:31
